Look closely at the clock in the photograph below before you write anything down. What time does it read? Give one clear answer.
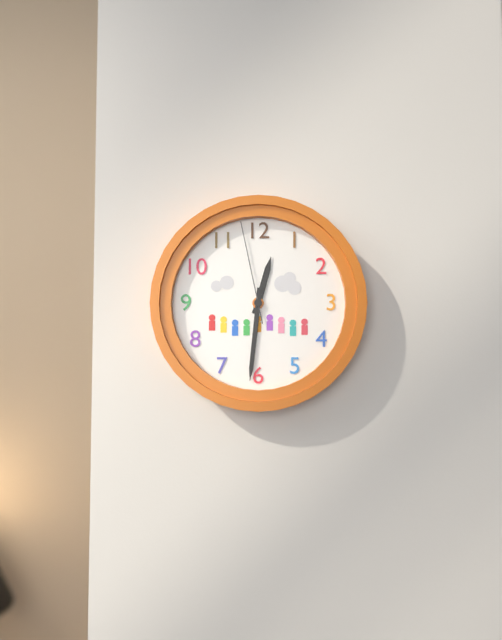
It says 12:31:58
